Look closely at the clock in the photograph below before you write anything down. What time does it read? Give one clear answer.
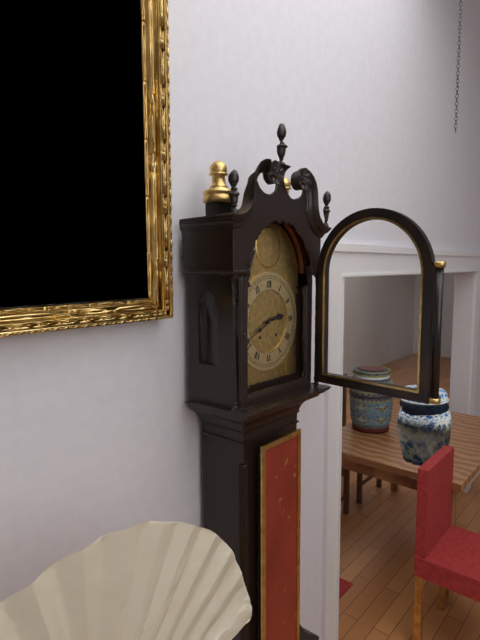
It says 2:41
